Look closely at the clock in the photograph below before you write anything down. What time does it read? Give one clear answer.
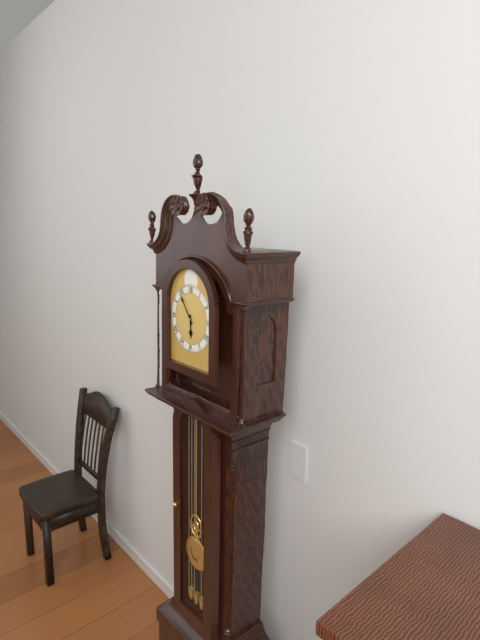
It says 5:54
